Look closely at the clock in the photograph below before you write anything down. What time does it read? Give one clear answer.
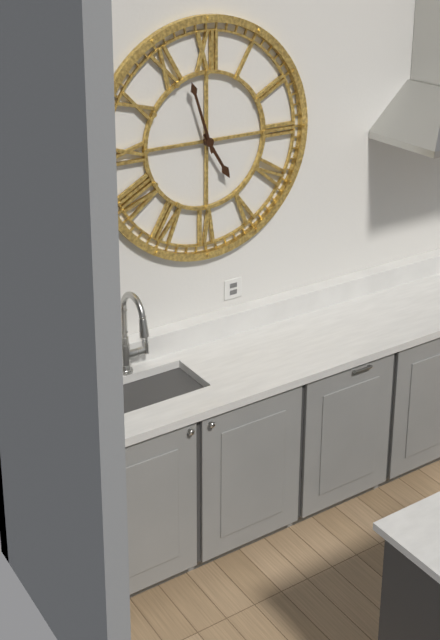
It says 4:57
